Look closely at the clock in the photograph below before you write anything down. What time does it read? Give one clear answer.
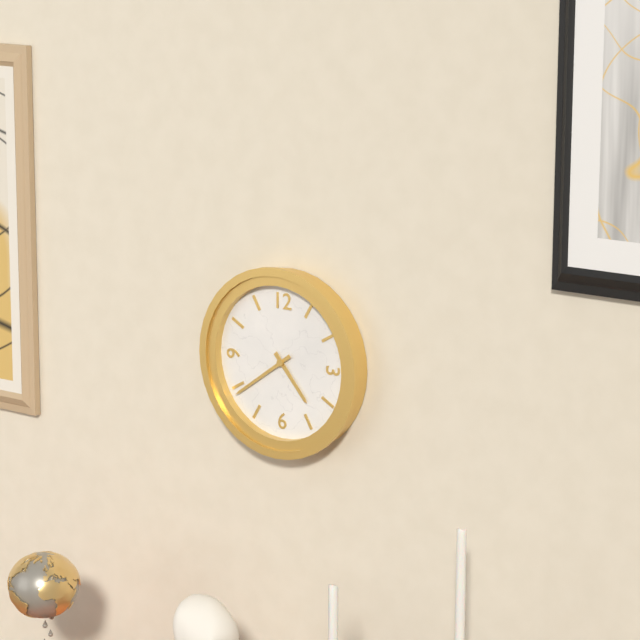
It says 4:39
